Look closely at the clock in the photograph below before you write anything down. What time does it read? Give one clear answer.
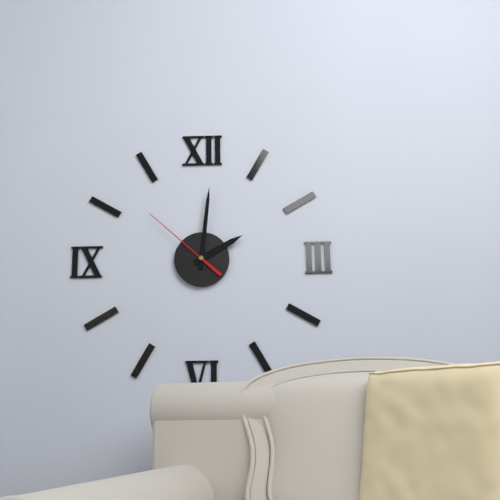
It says 2:01:52
